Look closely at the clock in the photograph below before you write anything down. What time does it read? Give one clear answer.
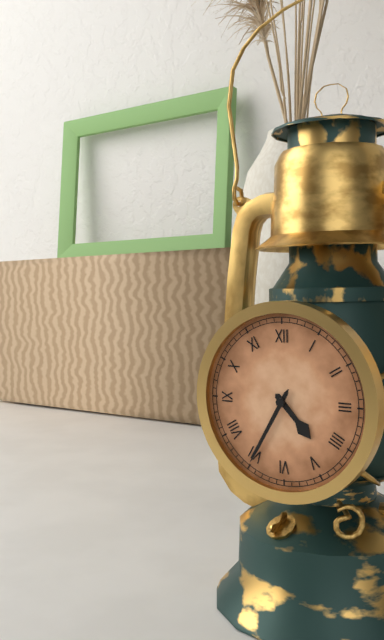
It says 4:35
